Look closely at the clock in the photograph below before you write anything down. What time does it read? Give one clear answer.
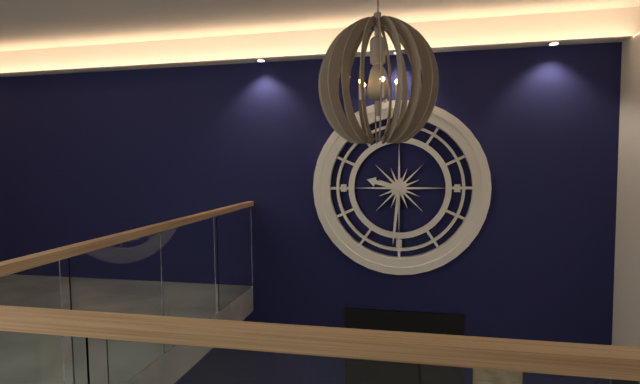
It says 9:31
